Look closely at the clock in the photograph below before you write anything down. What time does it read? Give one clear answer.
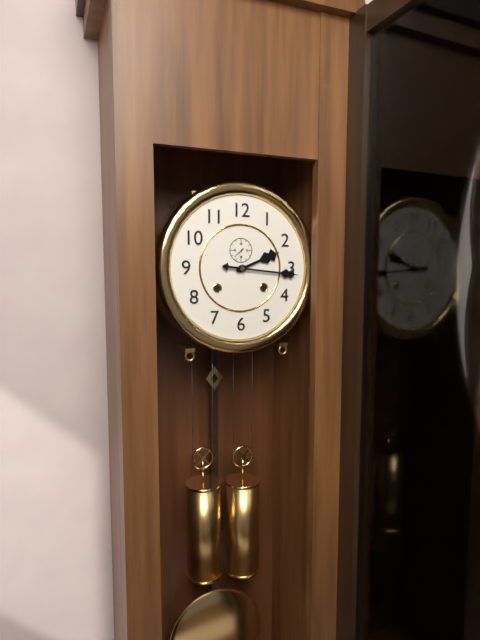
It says 2:16
